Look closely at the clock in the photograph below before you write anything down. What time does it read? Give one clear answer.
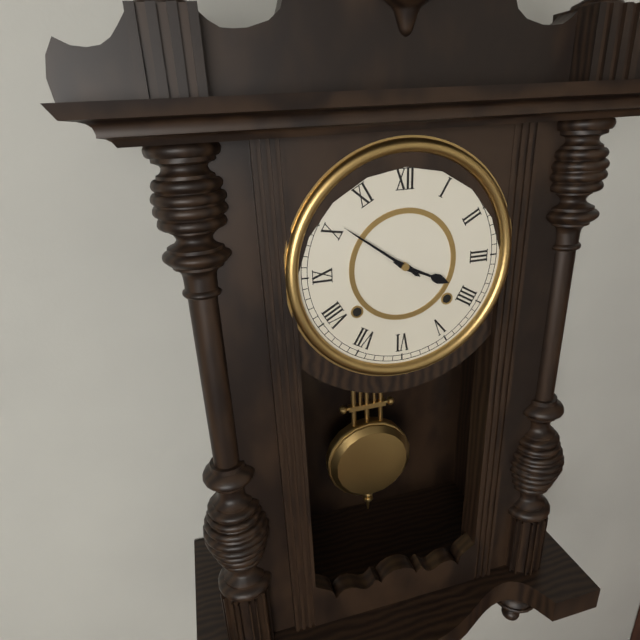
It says 3:51
